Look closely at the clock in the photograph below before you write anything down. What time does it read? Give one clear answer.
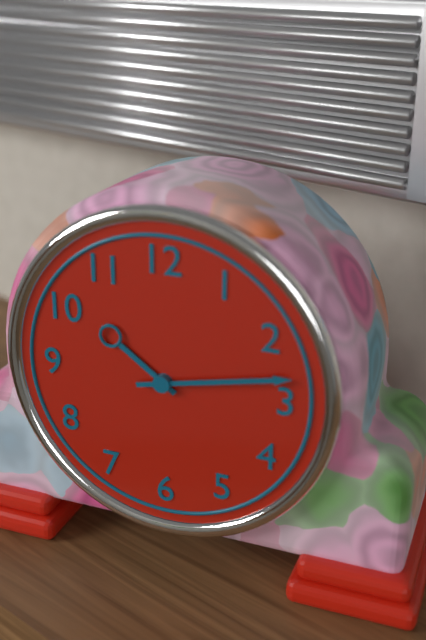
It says 10:13
